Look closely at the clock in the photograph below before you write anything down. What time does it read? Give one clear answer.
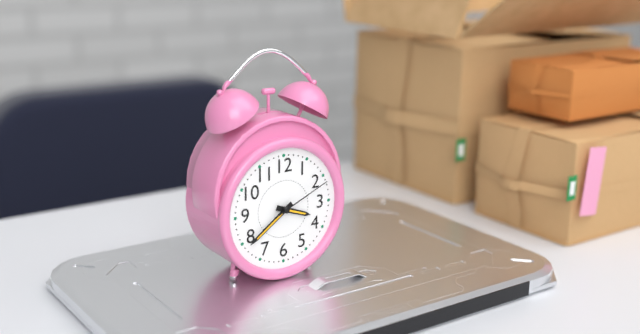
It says 3:39:11
